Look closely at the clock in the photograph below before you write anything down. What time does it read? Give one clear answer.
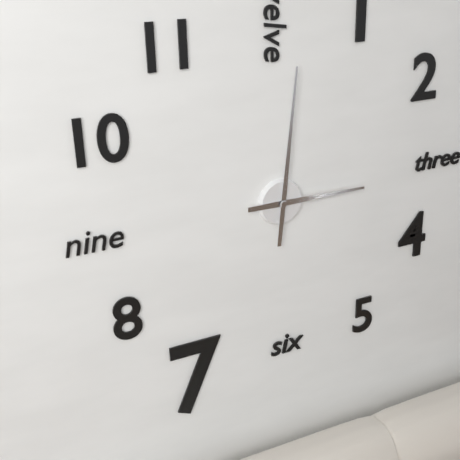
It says 3:01
